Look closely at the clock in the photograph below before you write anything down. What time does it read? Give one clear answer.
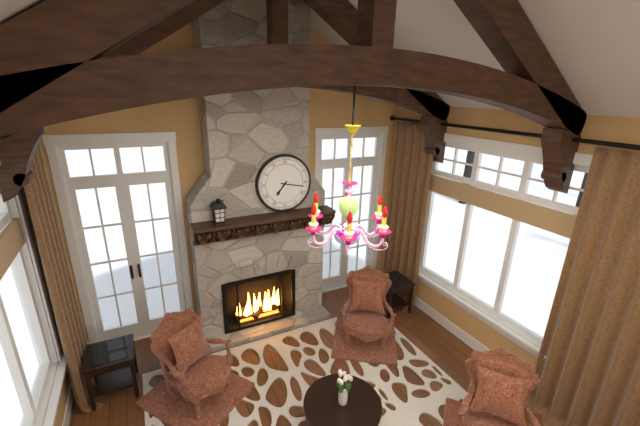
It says 7:17
